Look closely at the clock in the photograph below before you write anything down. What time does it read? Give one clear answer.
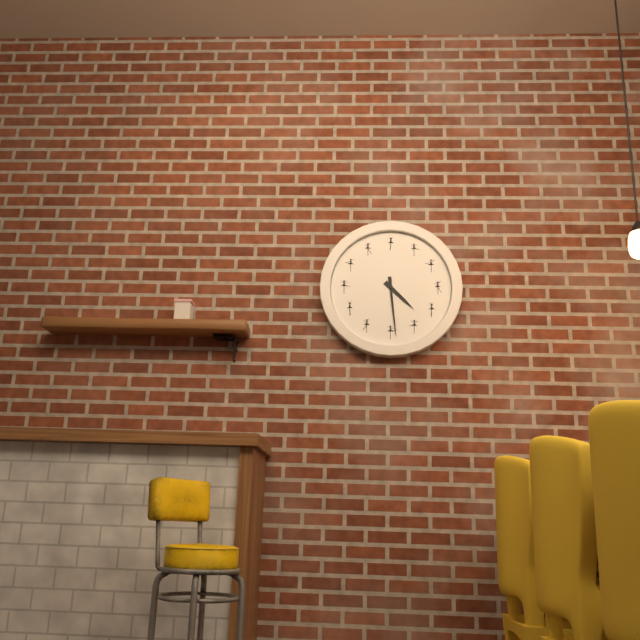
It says 4:29
